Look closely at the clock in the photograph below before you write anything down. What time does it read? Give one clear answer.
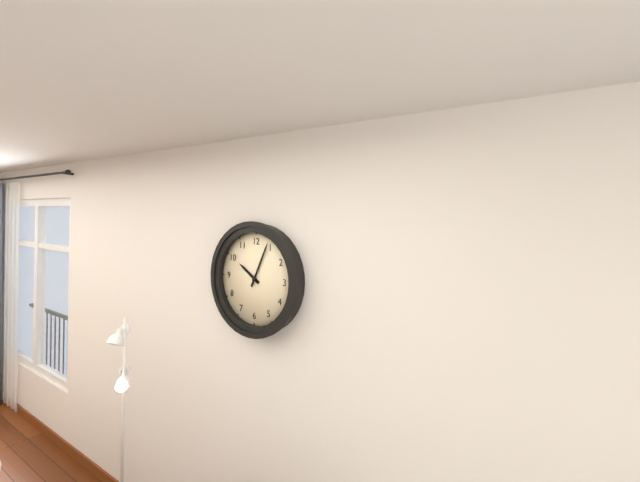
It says 10:04
